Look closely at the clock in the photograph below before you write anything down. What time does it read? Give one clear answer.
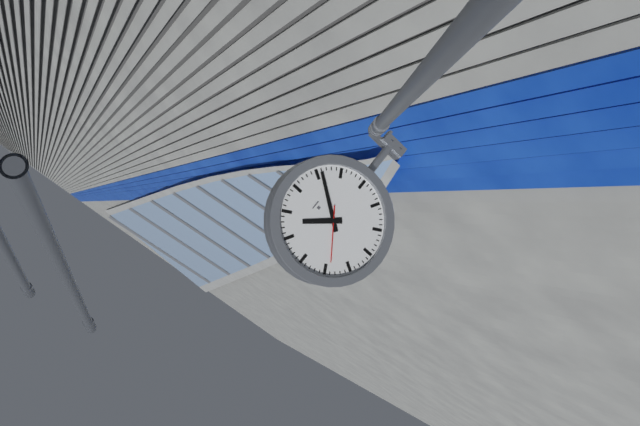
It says 4:36:09
